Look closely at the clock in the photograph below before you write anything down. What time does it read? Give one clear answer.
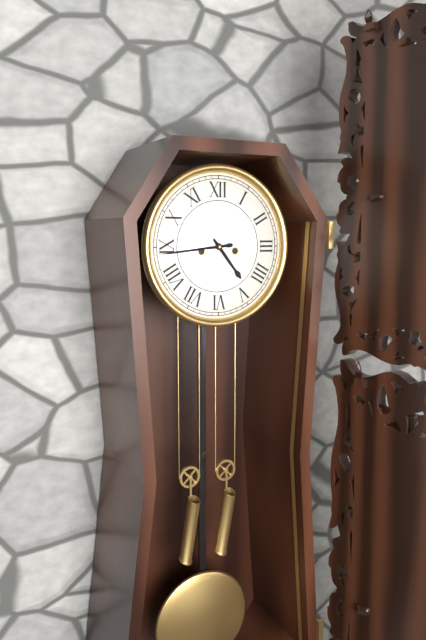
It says 4:44
